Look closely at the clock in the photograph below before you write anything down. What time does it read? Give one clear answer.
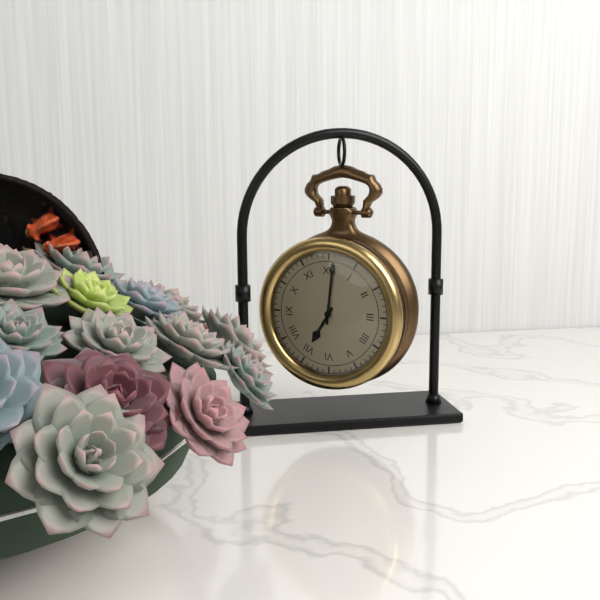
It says 7:01
